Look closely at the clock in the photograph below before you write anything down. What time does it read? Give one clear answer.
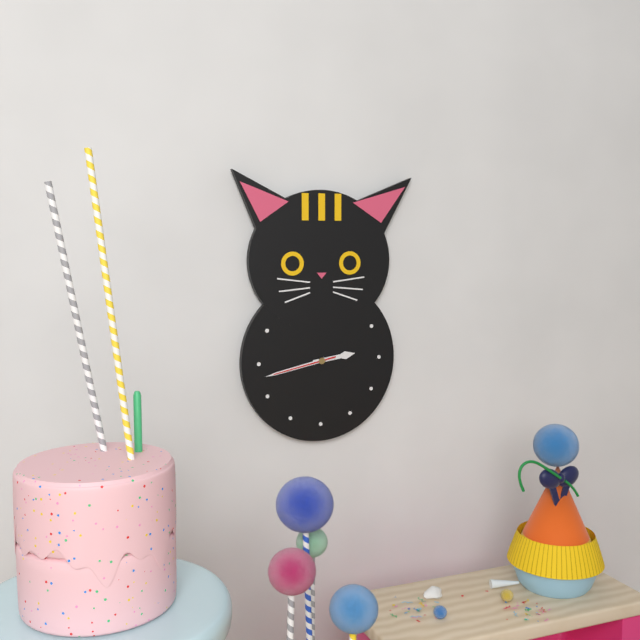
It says 2:43:43
